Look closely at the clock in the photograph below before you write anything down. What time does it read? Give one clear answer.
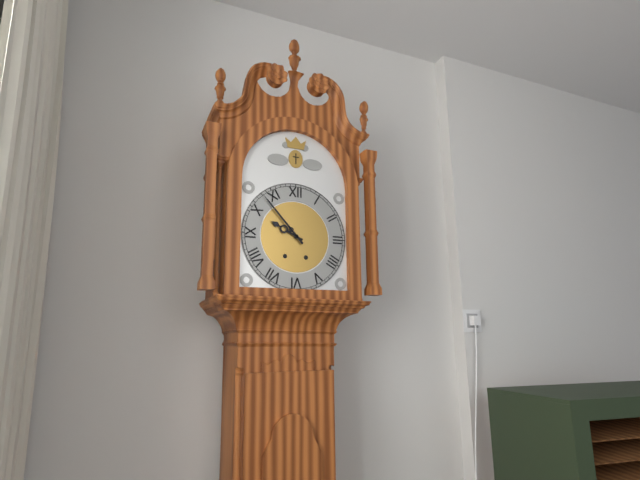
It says 9:53
